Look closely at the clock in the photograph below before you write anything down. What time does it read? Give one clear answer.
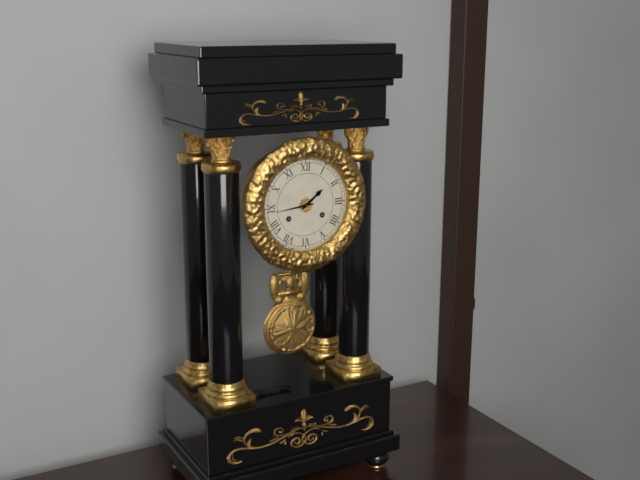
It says 1:44
